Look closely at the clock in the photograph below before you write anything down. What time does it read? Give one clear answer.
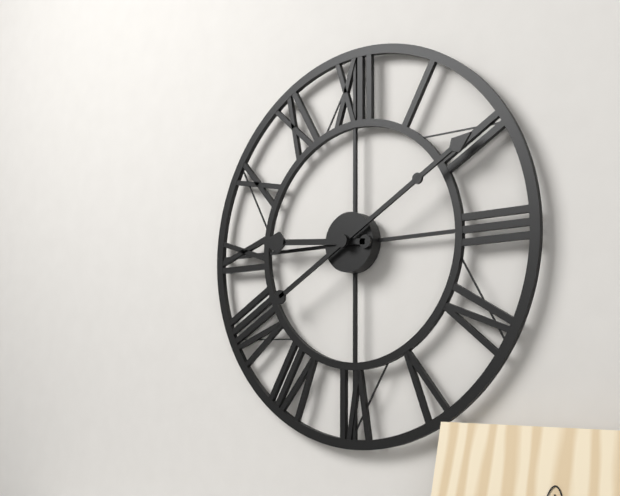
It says 9:10
